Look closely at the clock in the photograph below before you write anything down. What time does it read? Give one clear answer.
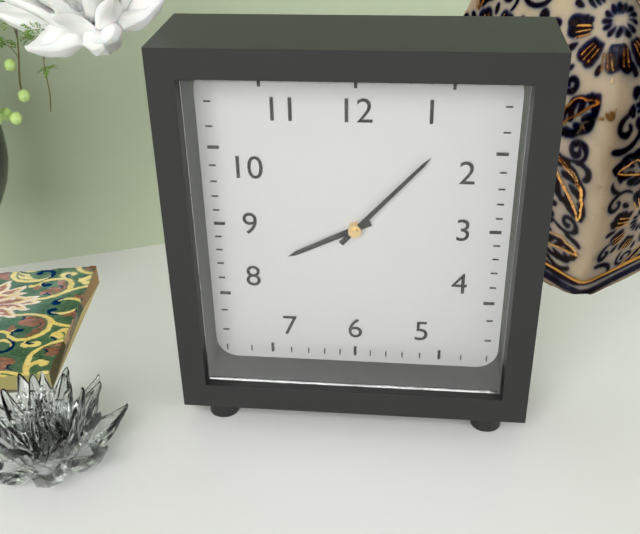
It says 8:07
